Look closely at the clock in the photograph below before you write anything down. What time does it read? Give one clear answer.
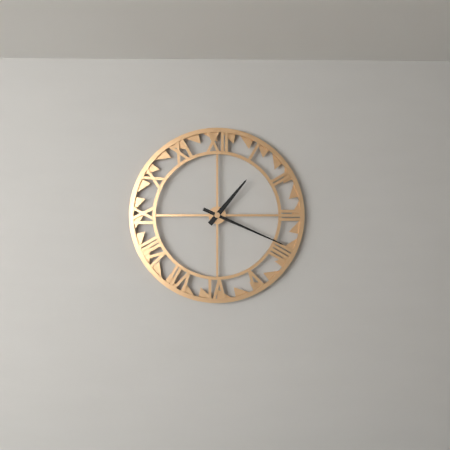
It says 1:19
